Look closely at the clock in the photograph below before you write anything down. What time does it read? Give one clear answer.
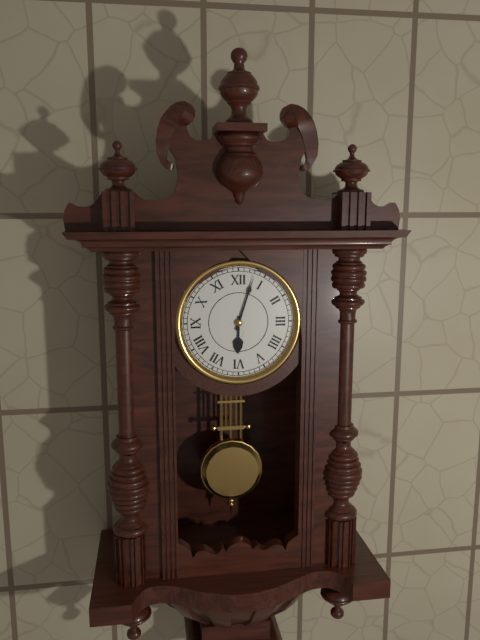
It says 6:03
